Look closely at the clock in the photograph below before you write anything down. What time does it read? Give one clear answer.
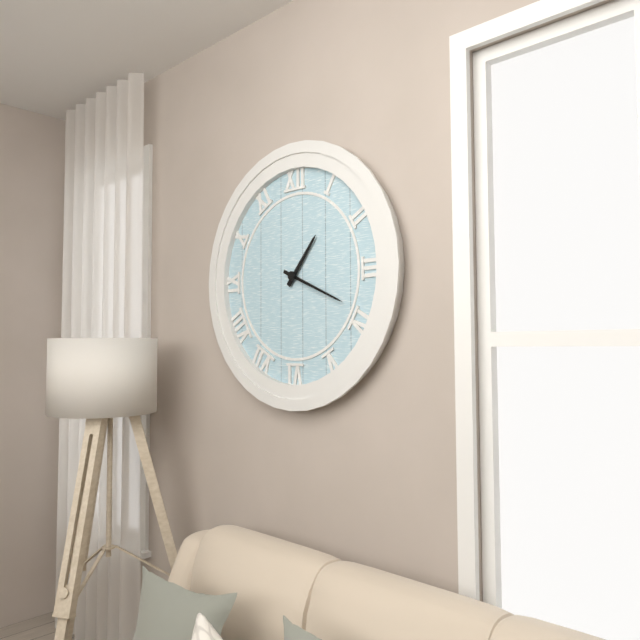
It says 1:19
